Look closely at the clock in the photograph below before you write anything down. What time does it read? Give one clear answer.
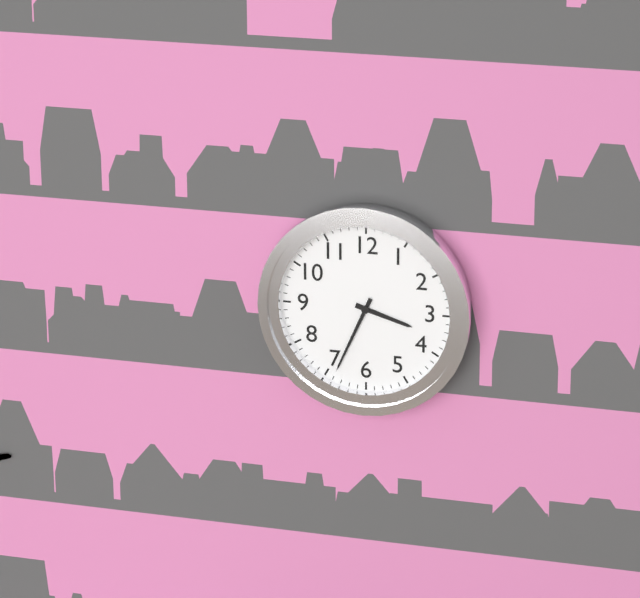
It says 3:34
